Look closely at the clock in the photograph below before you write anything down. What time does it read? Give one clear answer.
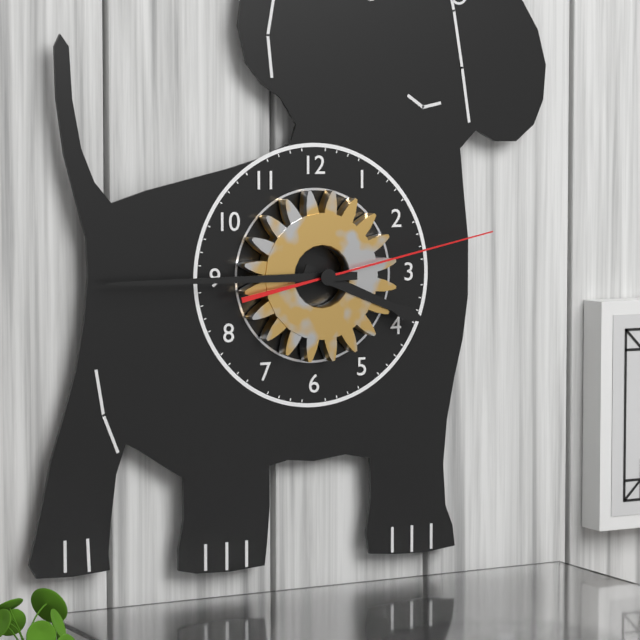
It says 3:45:13
